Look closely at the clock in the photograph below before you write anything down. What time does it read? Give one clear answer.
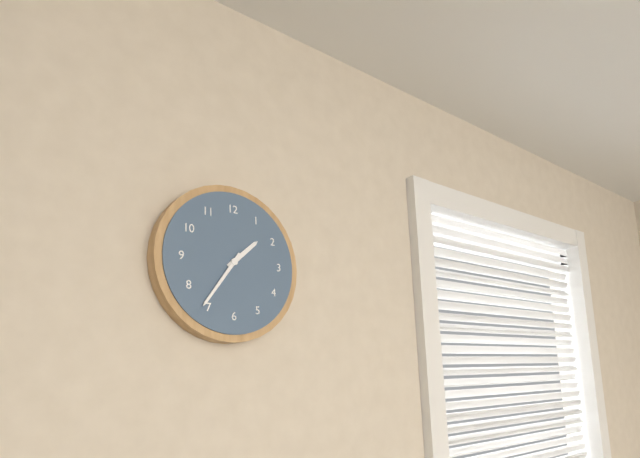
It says 1:36
